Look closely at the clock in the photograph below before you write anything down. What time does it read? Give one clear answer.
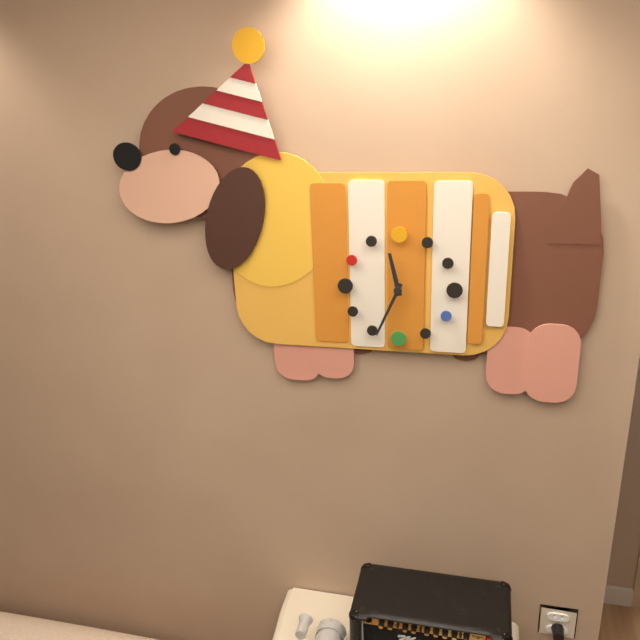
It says 11:34
